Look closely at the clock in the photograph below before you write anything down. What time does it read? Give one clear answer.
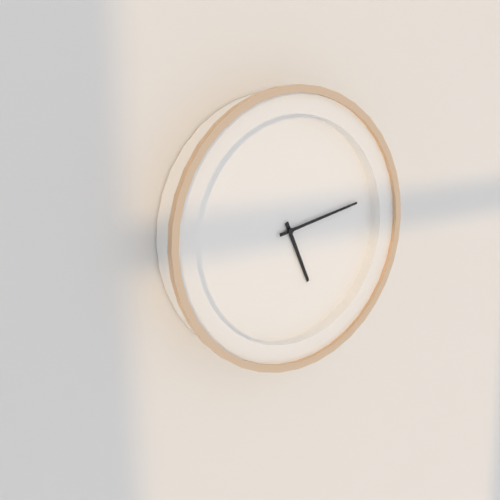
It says 5:13
